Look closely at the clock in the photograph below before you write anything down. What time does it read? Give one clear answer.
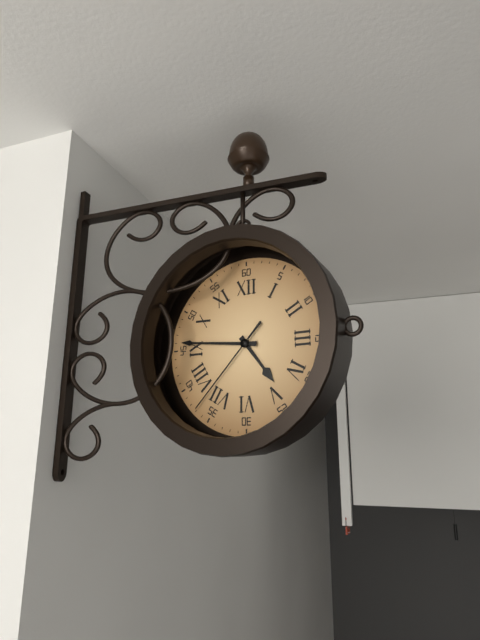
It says 4:46:37
